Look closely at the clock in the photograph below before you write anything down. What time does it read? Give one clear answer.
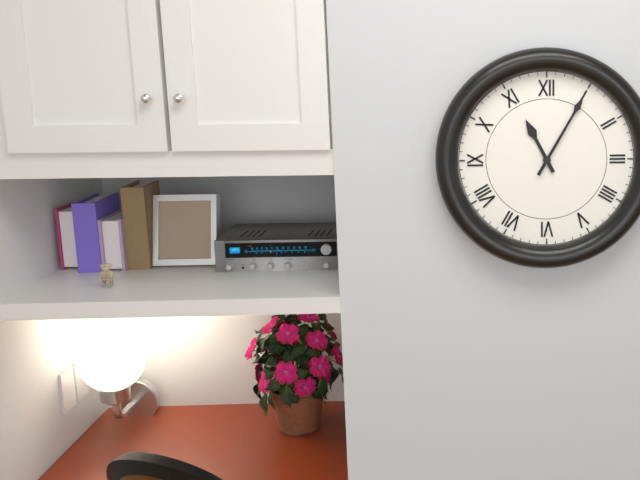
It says 11:05
